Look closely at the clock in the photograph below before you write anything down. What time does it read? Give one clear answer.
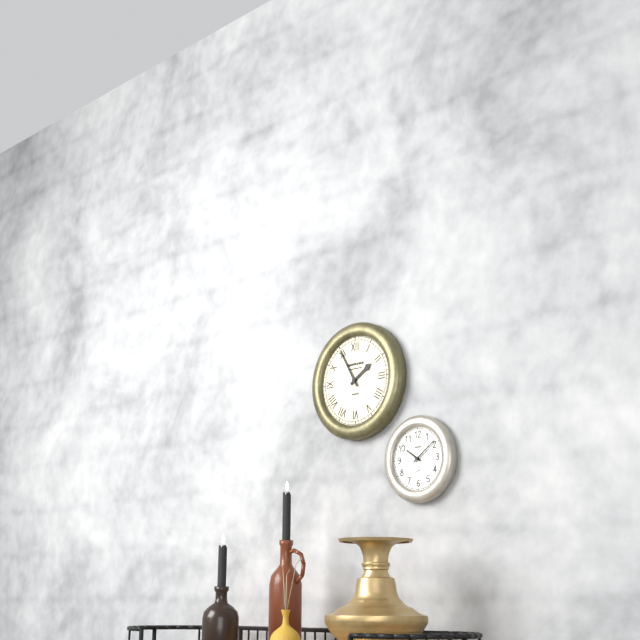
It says 1:55
